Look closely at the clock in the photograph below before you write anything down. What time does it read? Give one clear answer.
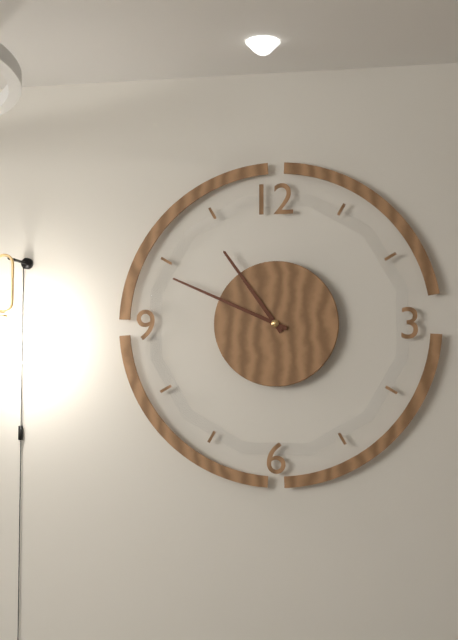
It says 10:49
